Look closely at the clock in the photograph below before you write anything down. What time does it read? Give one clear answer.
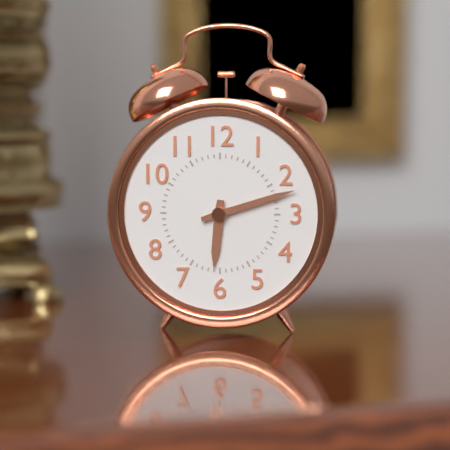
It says 6:12
